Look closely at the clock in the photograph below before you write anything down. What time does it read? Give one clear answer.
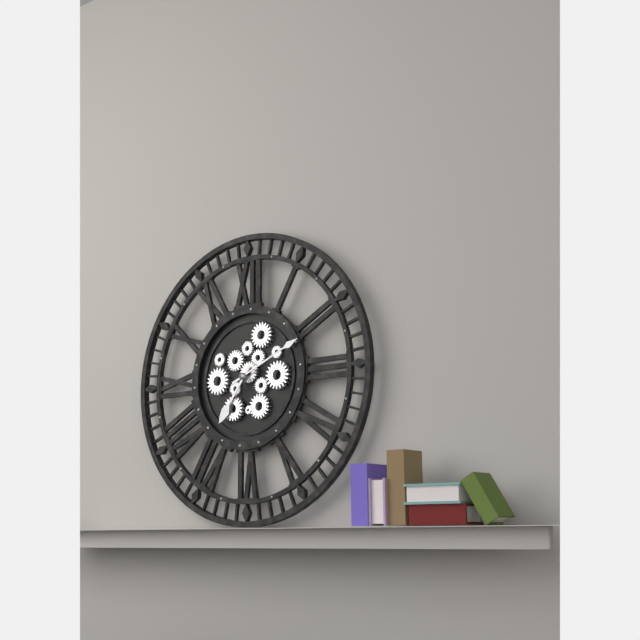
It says 7:11
